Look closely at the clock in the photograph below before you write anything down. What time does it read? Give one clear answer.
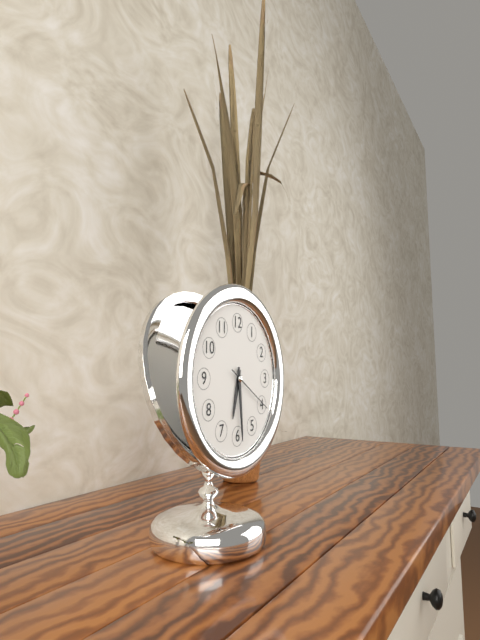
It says 6:29:20
